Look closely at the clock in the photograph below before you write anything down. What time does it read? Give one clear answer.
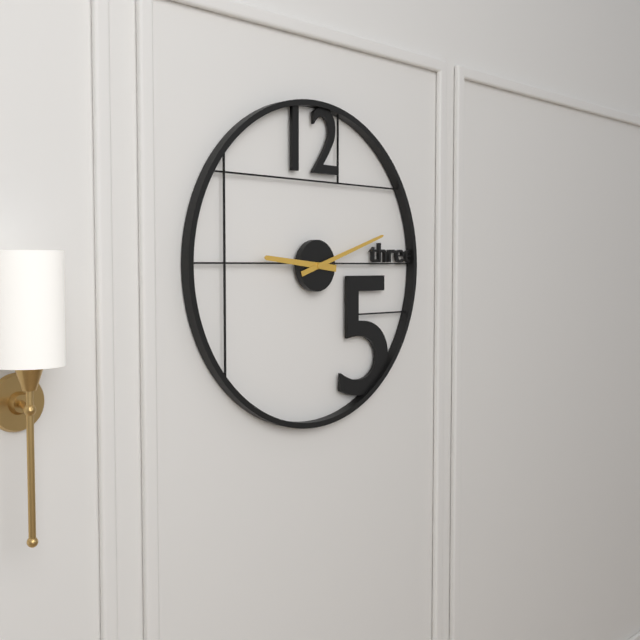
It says 9:12
